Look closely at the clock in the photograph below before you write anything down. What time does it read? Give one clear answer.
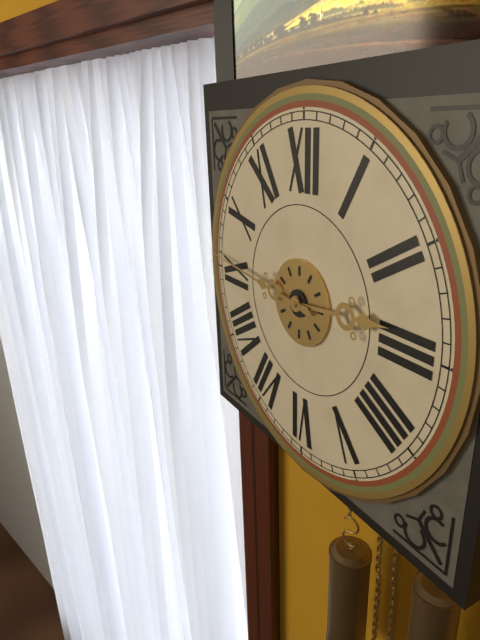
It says 2:46
